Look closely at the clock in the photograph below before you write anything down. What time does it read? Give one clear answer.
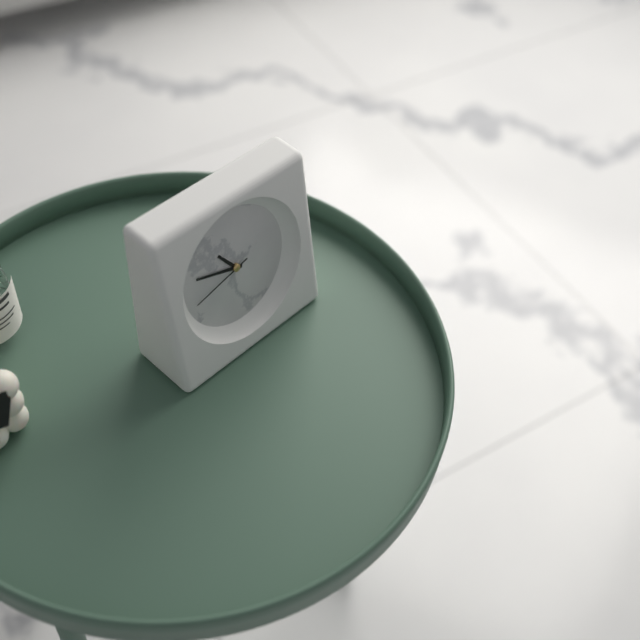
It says 10:48:43
